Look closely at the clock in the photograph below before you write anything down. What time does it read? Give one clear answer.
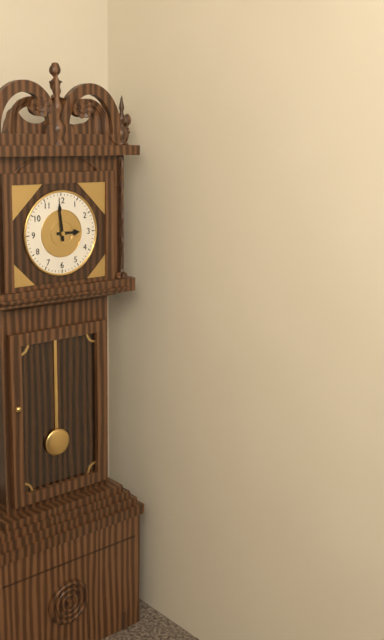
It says 2:59
